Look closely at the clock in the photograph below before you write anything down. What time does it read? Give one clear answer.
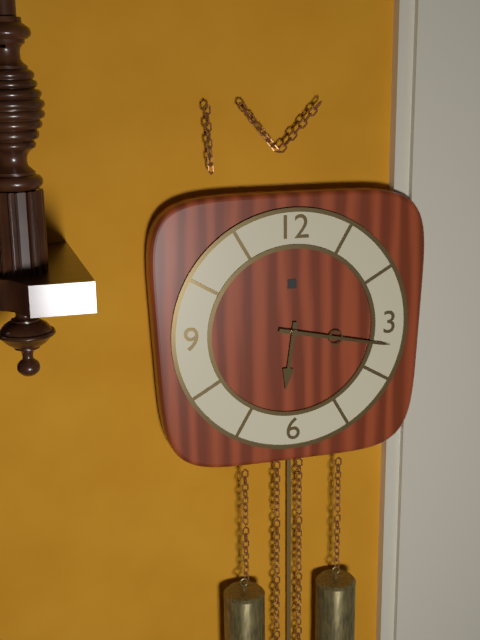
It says 6:17
